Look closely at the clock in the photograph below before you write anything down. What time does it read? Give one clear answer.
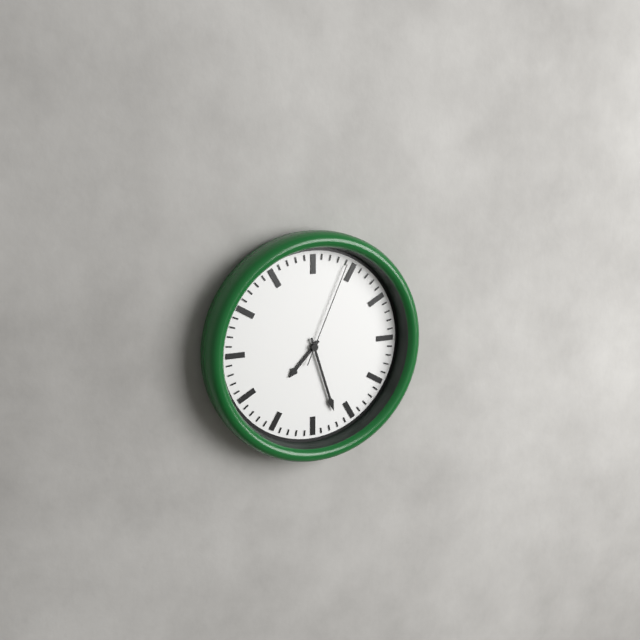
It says 7:27:04
